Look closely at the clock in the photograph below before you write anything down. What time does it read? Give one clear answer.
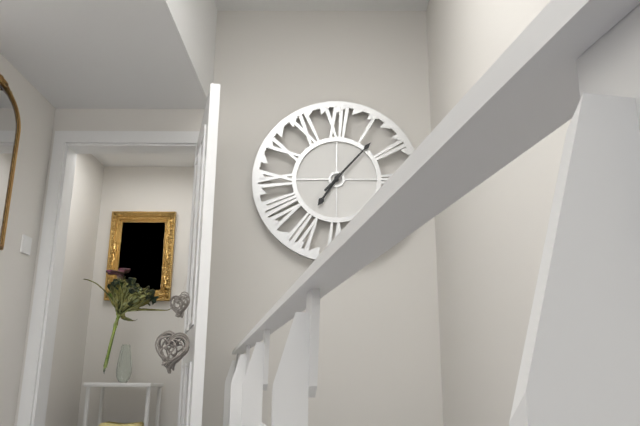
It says 7:07
